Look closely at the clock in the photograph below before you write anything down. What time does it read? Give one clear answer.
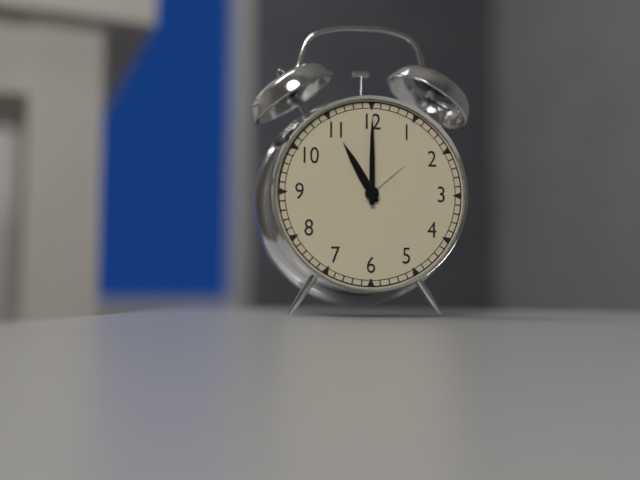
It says 11:00
